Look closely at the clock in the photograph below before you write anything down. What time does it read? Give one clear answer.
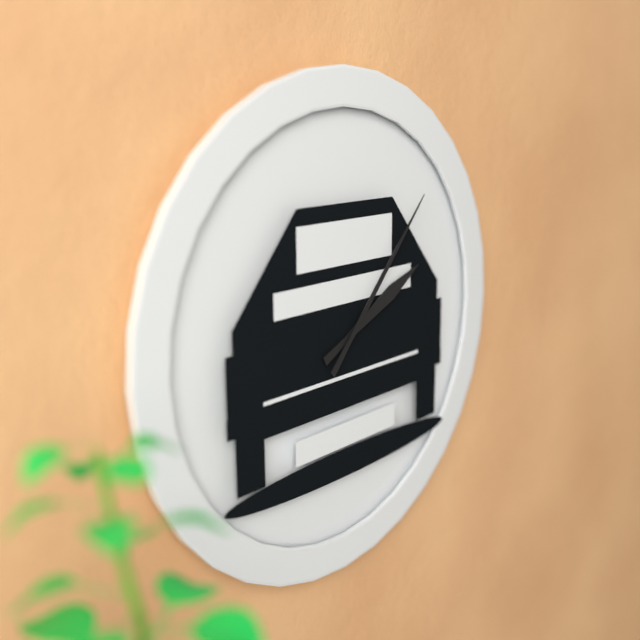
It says 2:07
